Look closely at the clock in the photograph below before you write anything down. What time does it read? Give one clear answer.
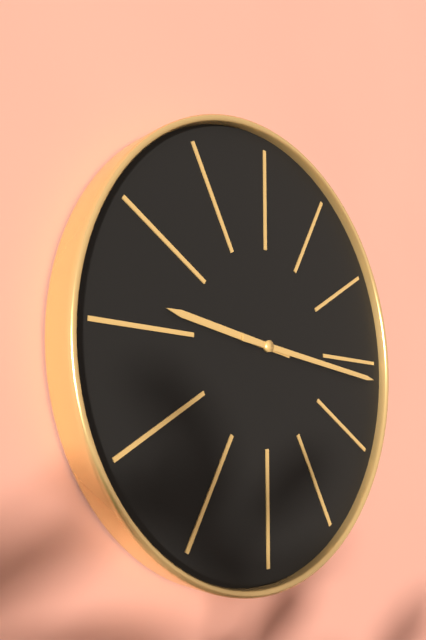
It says 9:16
